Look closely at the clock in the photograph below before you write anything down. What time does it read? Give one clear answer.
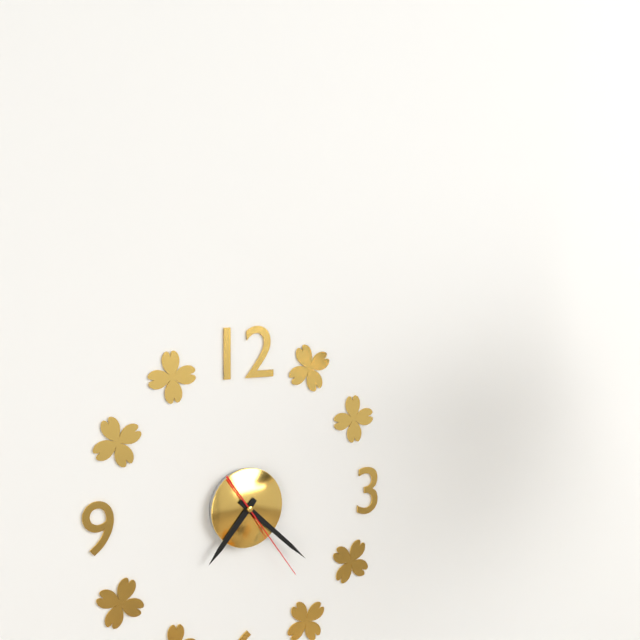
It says 7:22:24
